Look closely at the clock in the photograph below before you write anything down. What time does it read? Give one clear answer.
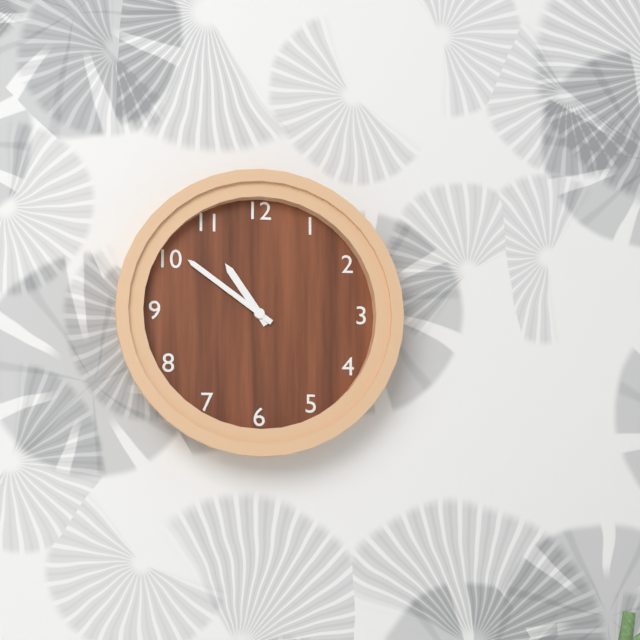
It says 10:51
